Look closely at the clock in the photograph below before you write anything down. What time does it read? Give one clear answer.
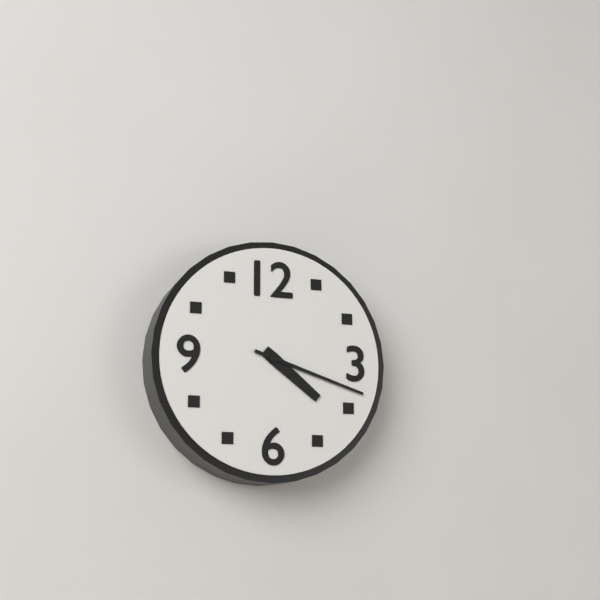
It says 4:18
